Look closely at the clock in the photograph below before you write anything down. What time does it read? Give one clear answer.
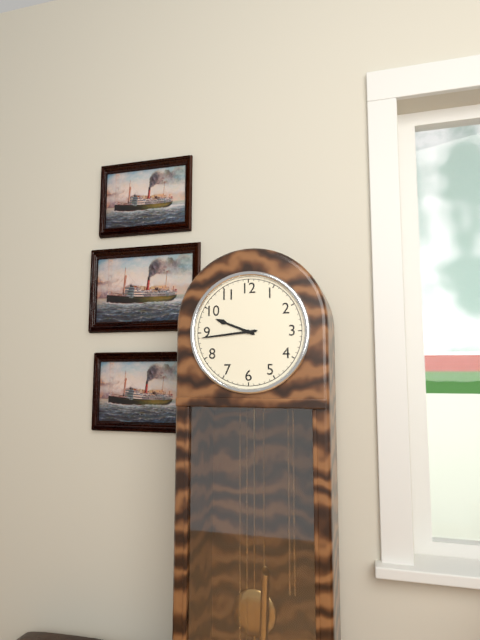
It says 9:44
